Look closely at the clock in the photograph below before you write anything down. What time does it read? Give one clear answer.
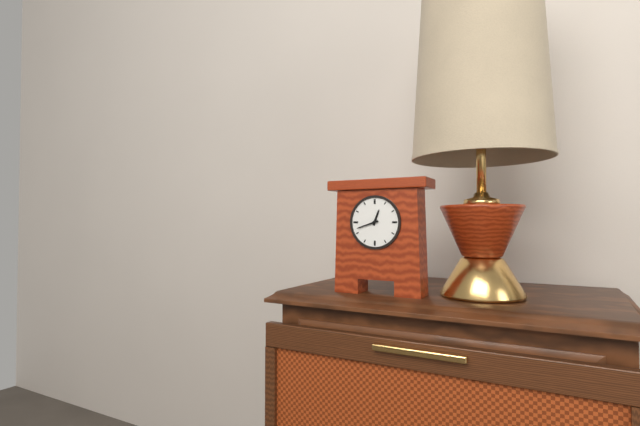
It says 12:42
